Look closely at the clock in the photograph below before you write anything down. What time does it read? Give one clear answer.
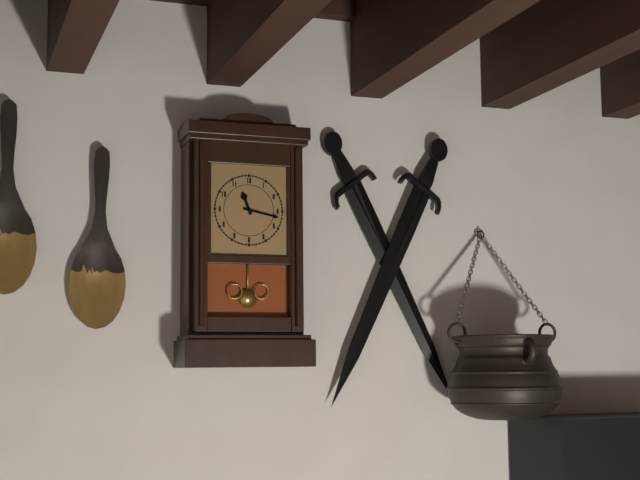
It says 11:17
